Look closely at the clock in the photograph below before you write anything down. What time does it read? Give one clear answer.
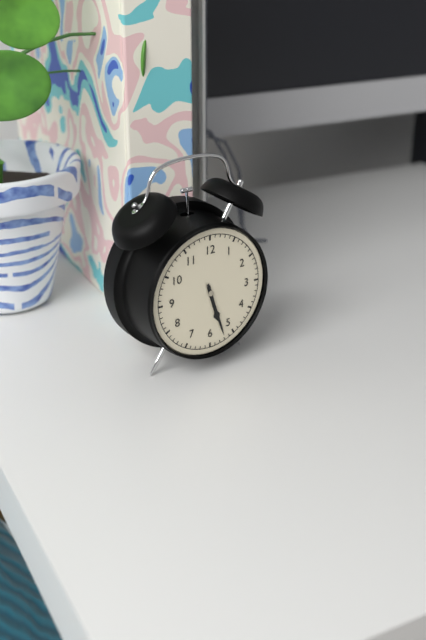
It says 5:27
